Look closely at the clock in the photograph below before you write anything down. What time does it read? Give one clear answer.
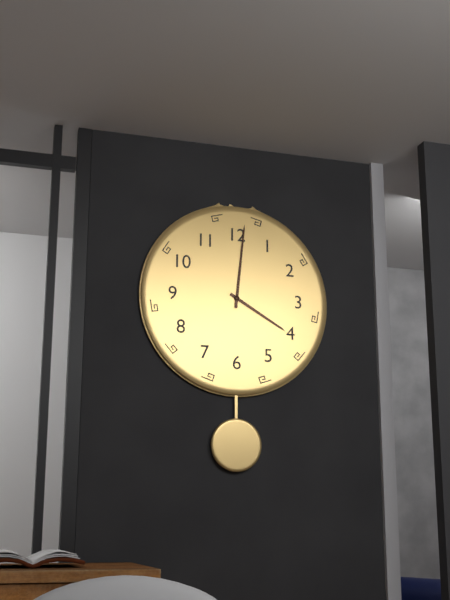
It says 4:01
